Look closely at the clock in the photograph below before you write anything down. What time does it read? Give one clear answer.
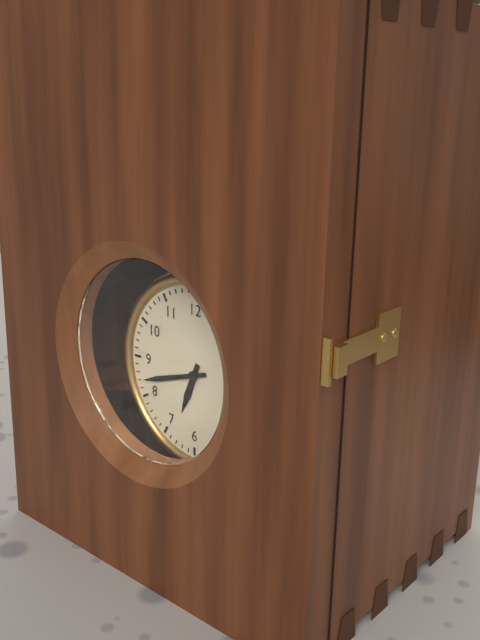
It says 6:42
